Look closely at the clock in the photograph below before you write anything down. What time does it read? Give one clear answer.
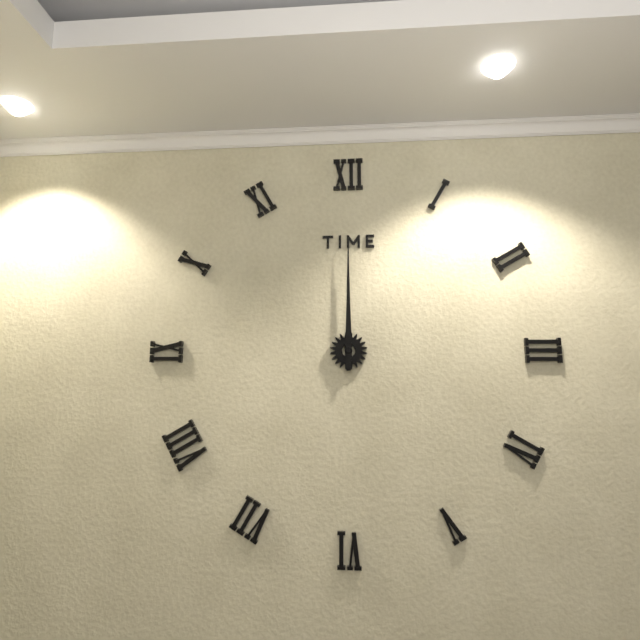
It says 12:00
